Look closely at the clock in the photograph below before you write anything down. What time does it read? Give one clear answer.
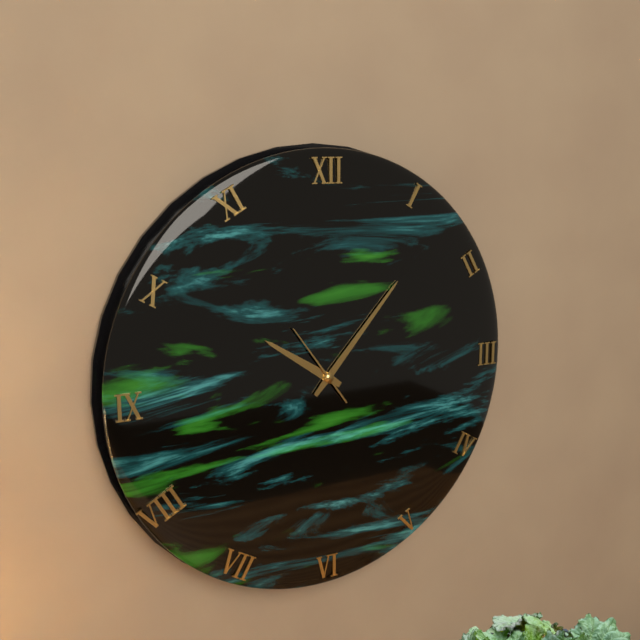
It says 10:07:54
